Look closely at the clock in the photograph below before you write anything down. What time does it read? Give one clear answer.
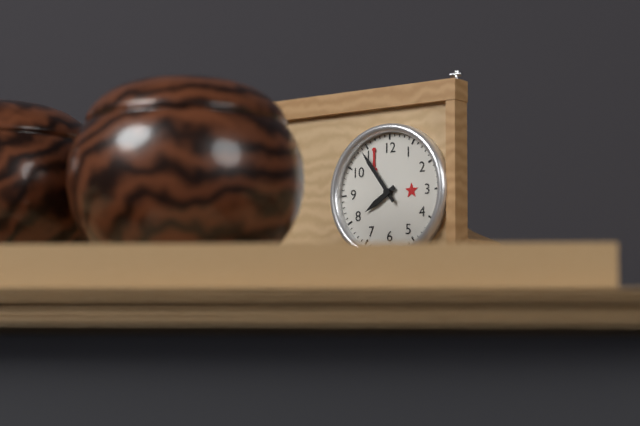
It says 7:54
